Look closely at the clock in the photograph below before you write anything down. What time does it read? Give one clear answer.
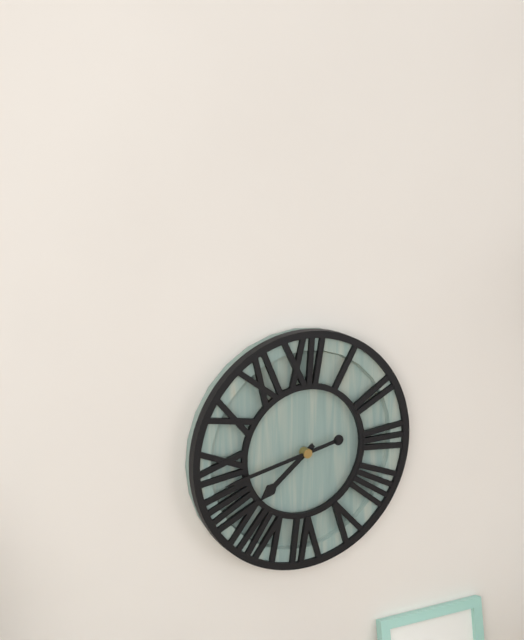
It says 7:43
